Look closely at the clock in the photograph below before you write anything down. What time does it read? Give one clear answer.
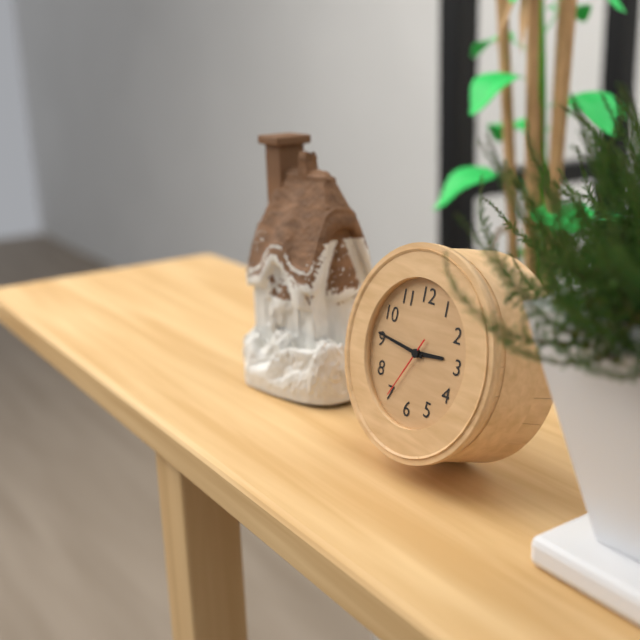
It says 2:46:35
